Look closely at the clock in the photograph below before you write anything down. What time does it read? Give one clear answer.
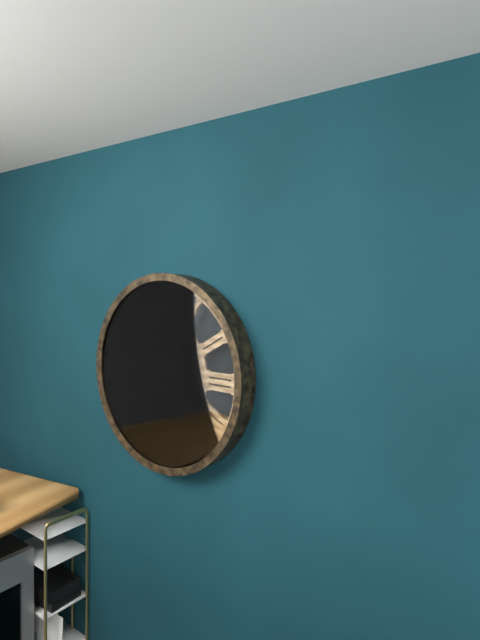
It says 6:37
